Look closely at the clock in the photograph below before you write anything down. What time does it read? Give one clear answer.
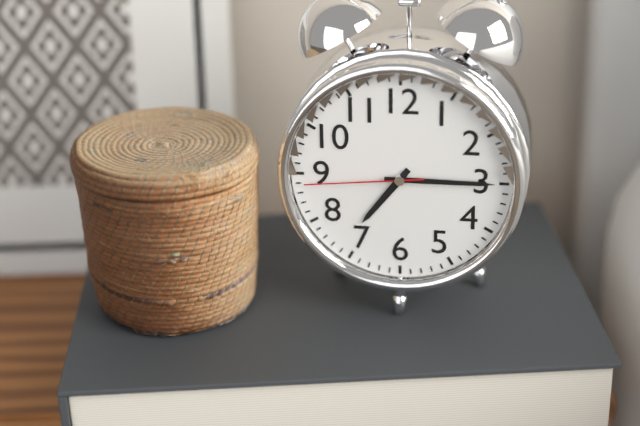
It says 7:15:44
